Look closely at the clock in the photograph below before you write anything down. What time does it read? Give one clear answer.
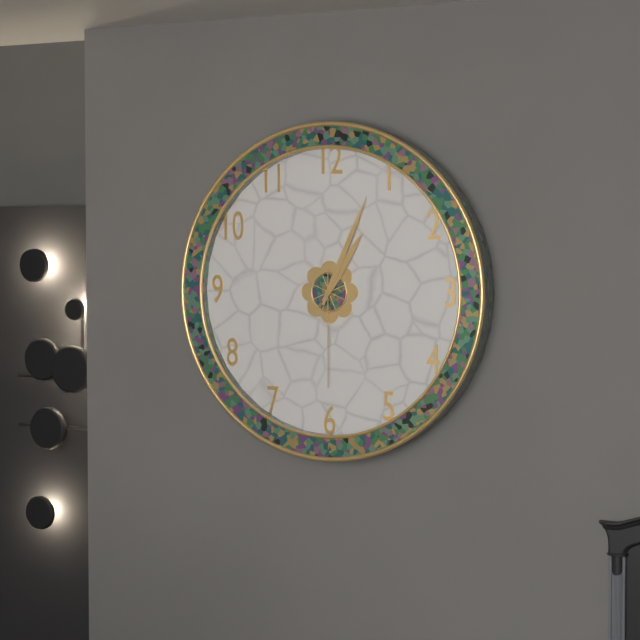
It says 1:04:30
